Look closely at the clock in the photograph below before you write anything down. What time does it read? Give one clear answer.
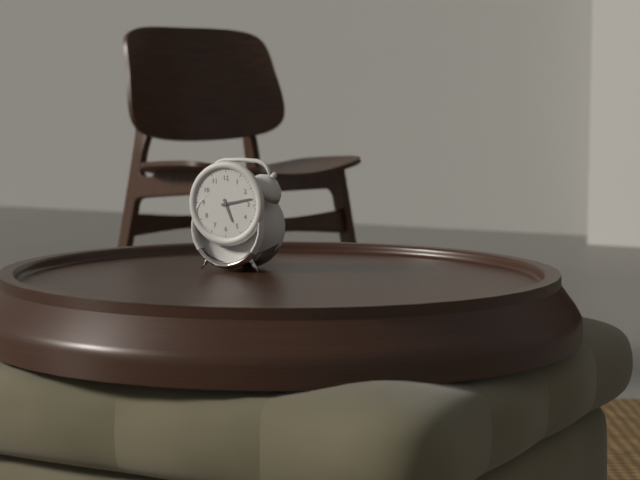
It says 5:13
